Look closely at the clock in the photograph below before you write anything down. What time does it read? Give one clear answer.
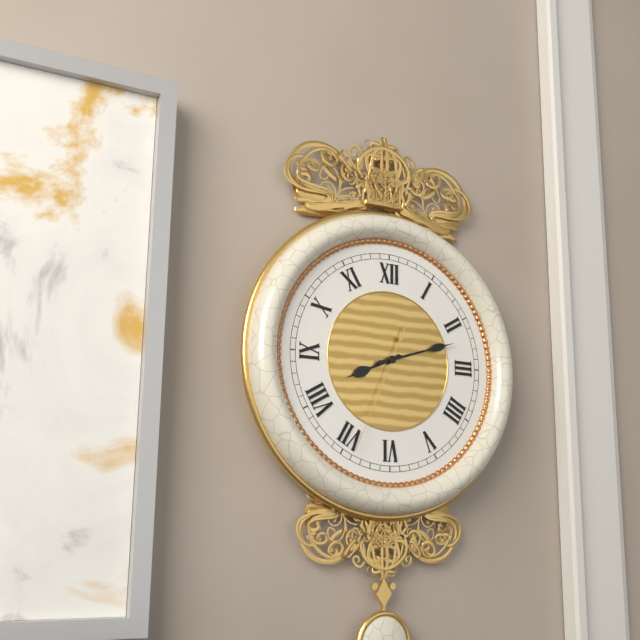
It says 8:12:34
